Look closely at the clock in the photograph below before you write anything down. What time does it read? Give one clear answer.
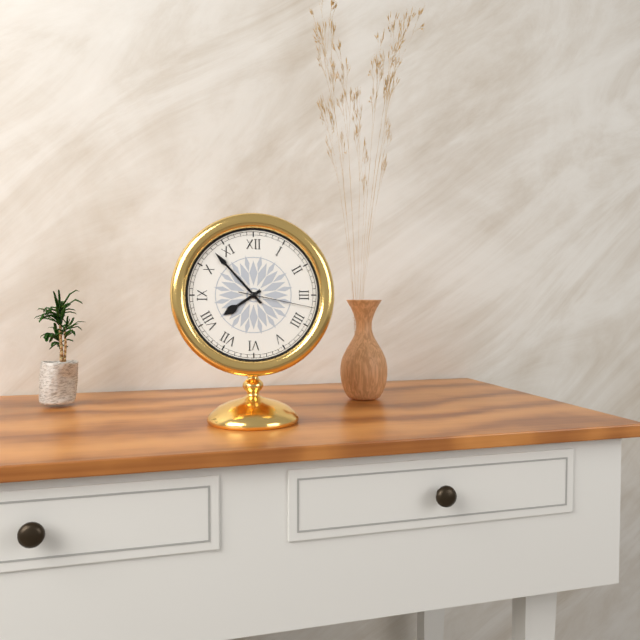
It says 7:53:17
